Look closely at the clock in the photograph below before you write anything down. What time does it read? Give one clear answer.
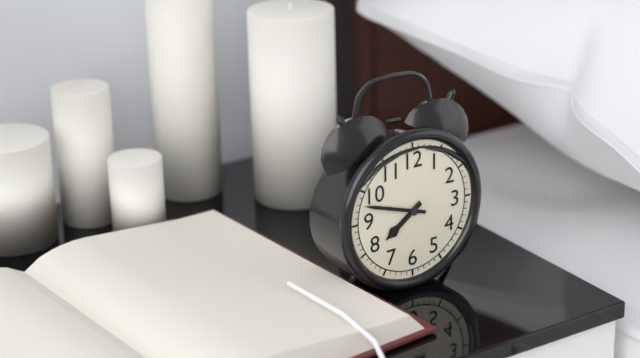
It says 7:48
